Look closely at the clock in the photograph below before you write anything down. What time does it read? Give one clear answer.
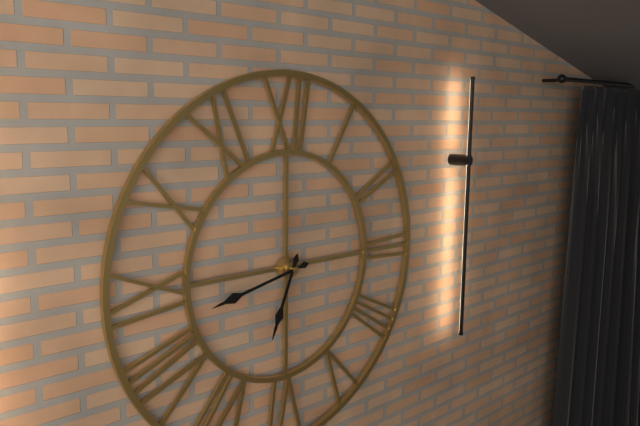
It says 6:43
